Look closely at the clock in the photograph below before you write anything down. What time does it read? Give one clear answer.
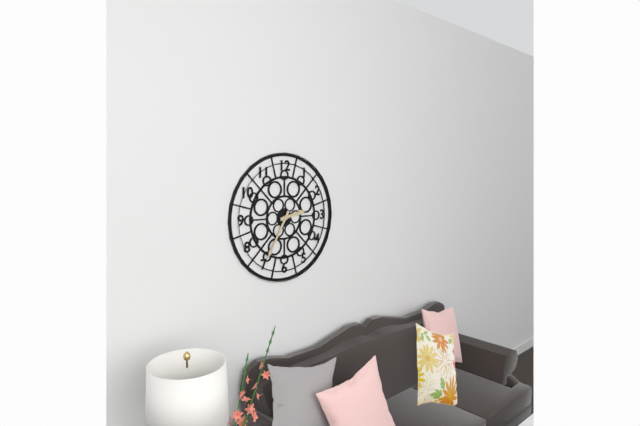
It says 2:35
